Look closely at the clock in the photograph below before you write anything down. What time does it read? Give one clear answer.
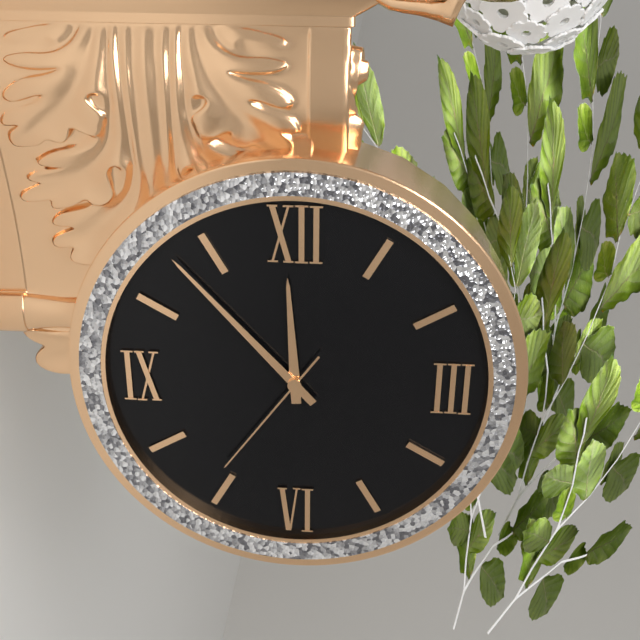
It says 11:53:36
